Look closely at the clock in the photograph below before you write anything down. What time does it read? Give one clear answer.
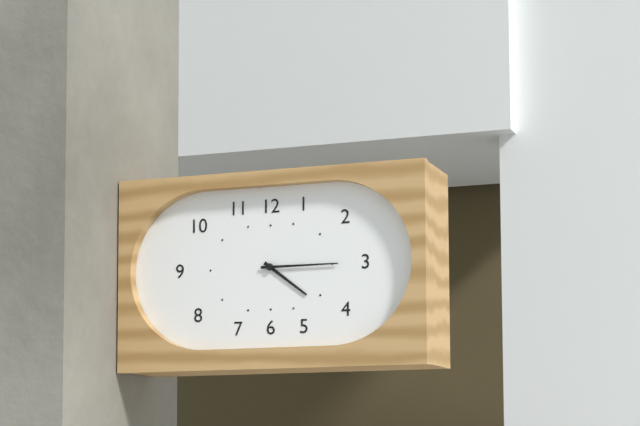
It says 4:15
